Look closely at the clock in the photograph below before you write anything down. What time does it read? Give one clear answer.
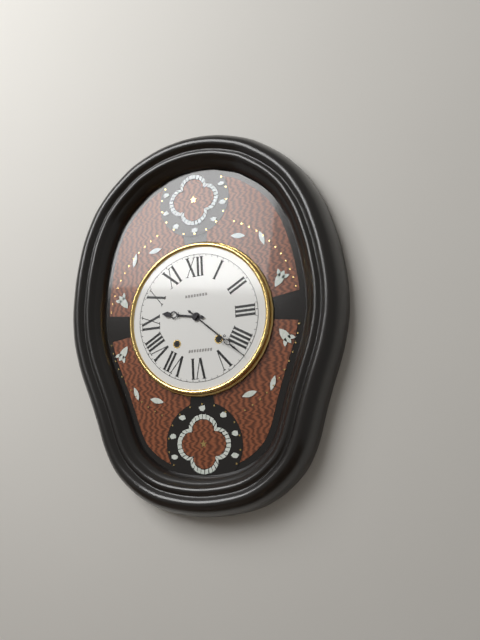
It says 9:22
